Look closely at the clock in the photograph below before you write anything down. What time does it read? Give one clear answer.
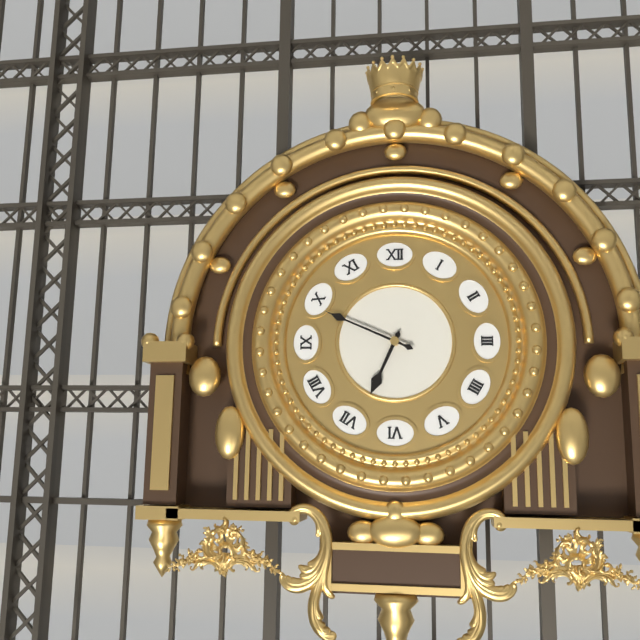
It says 6:49
